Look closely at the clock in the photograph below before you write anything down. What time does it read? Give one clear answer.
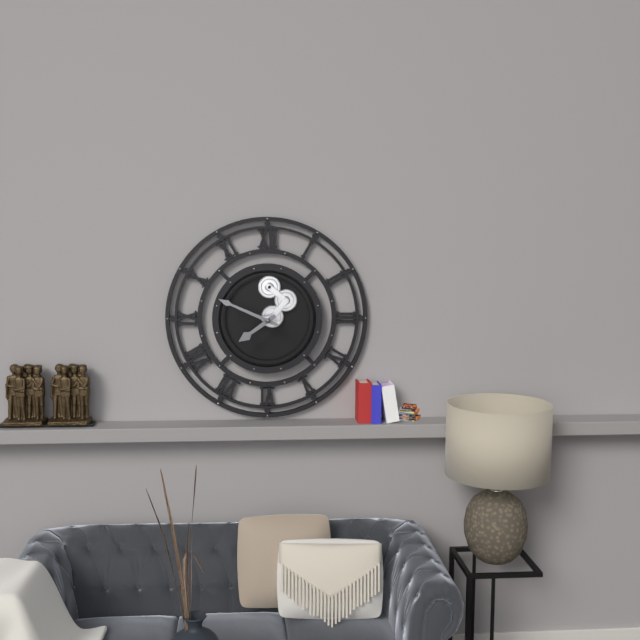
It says 7:49
